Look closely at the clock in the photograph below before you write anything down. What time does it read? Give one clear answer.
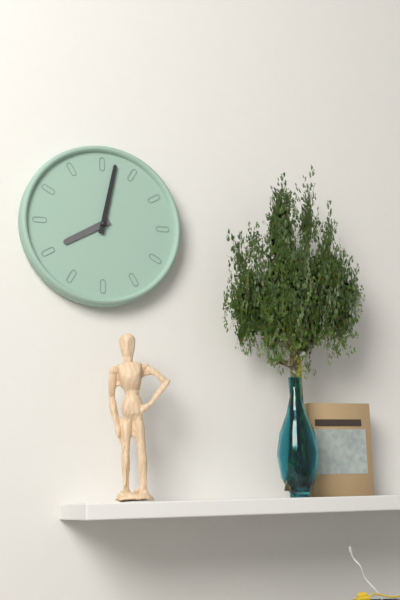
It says 8:02
